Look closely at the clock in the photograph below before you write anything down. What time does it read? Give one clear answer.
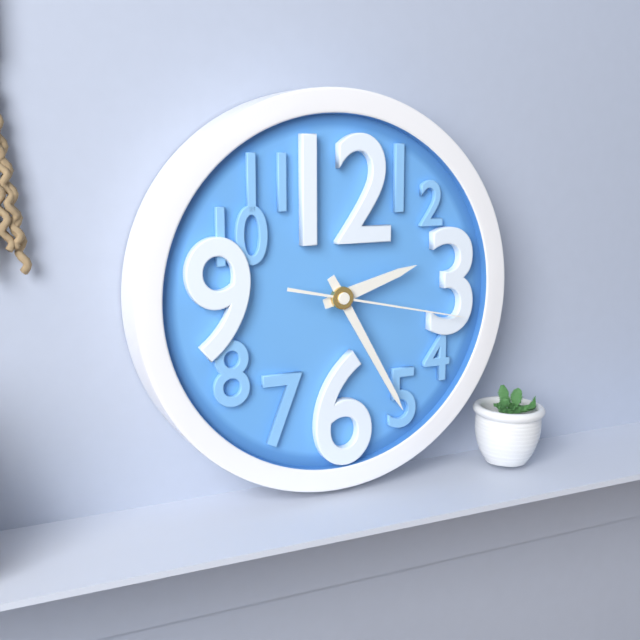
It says 2:25:17
